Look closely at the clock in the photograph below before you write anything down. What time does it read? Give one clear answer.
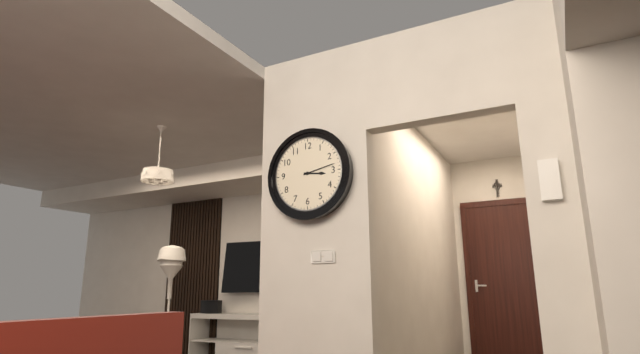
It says 3:13
